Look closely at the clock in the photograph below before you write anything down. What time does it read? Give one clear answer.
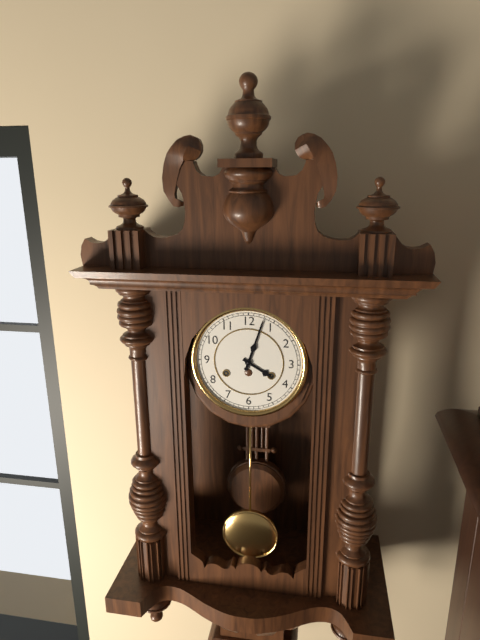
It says 4:03
